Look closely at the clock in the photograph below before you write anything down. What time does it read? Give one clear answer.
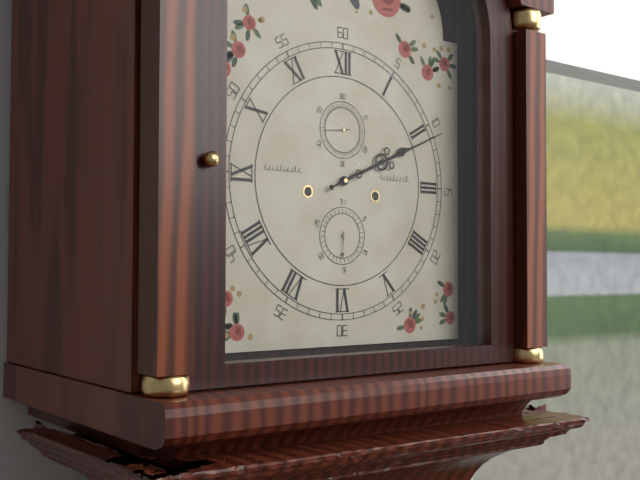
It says 2:11
